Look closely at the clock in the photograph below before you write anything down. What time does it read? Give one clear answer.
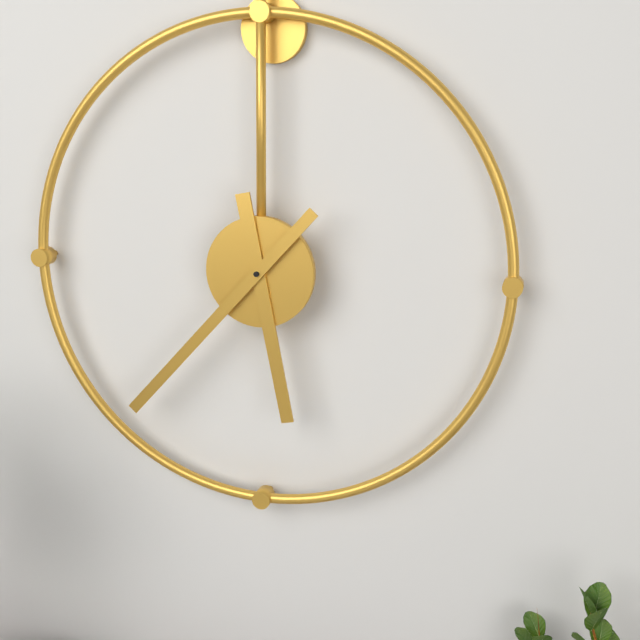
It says 5:37
